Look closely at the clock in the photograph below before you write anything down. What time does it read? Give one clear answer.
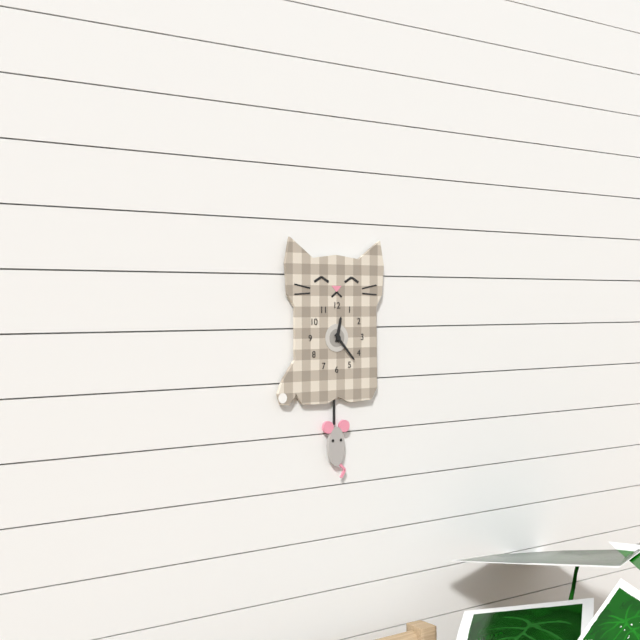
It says 12:23
